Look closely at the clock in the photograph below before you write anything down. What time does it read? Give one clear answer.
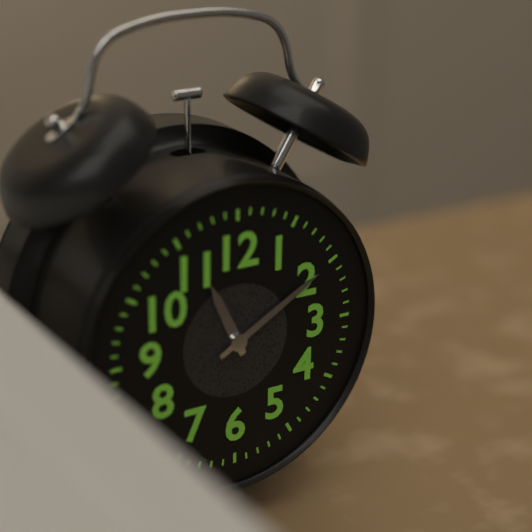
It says 11:10
